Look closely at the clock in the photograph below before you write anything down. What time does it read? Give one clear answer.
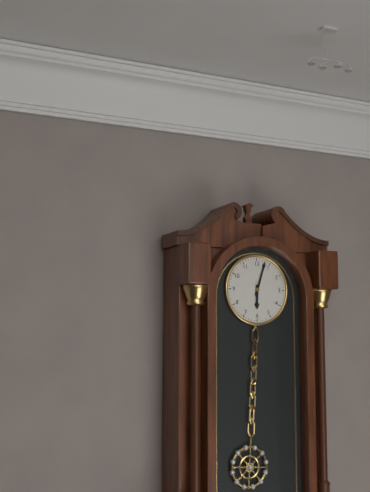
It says 6:03
